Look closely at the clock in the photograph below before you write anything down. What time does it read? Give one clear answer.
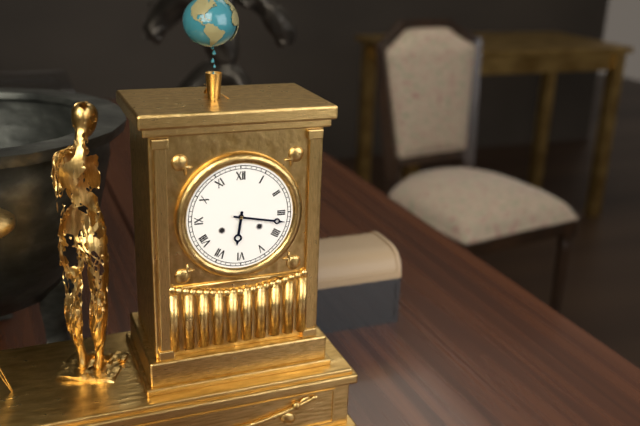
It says 6:17
